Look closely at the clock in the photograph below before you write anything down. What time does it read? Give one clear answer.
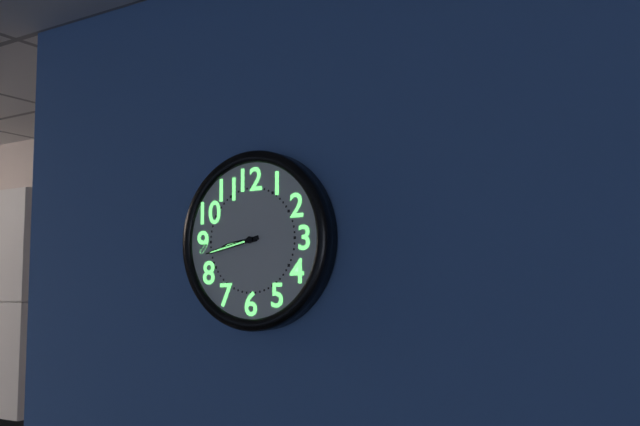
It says 8:43
